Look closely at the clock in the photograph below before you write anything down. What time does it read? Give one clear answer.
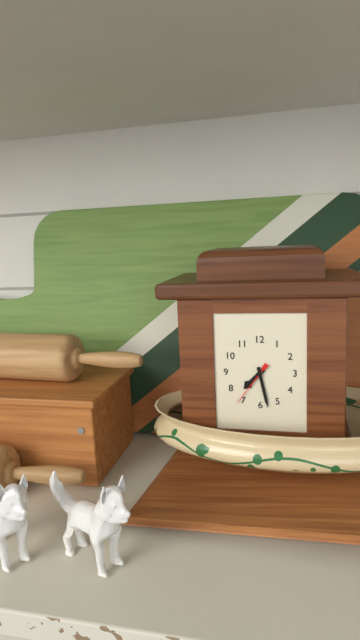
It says 7:28:36
